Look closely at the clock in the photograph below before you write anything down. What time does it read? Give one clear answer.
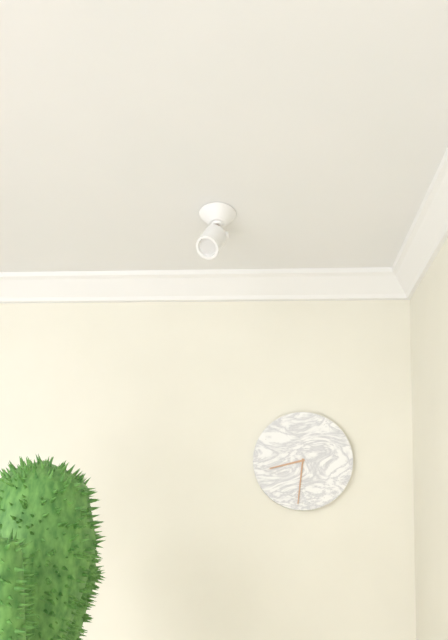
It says 8:31
